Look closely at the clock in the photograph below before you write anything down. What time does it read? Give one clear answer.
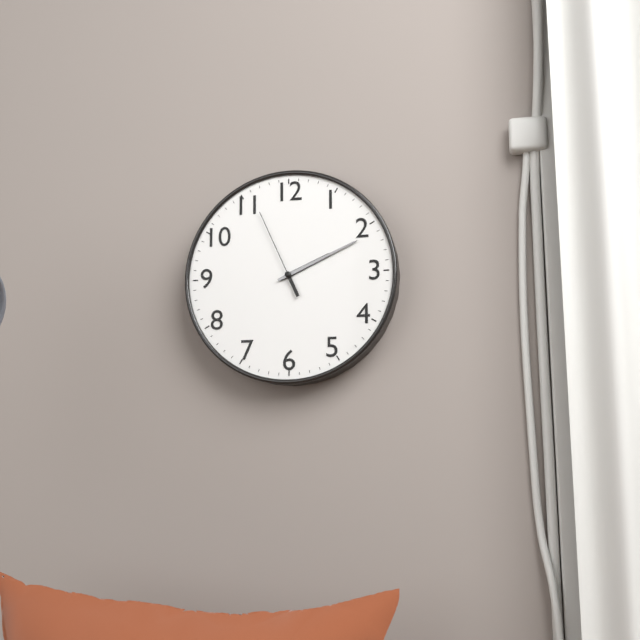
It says 2:11:56
